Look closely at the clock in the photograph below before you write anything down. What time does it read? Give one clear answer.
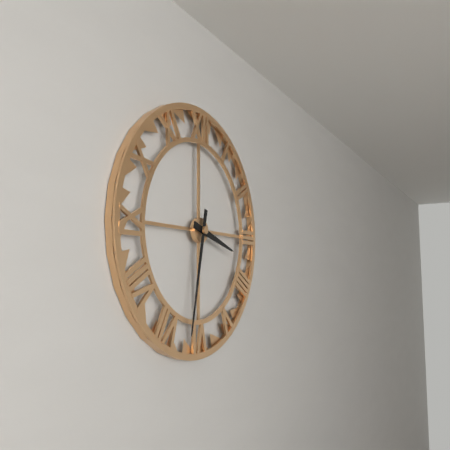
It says 3:32
